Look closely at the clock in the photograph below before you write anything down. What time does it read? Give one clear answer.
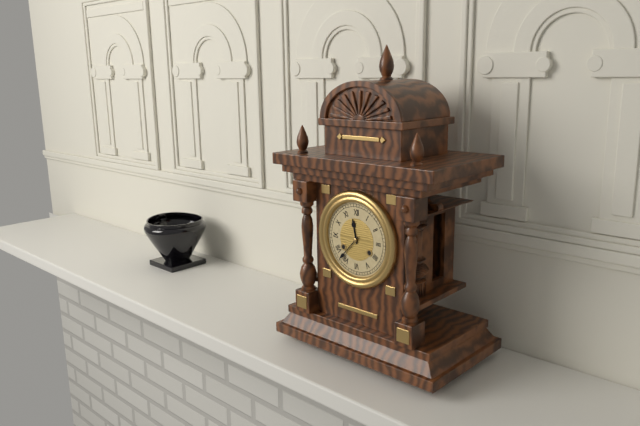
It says 11:37
